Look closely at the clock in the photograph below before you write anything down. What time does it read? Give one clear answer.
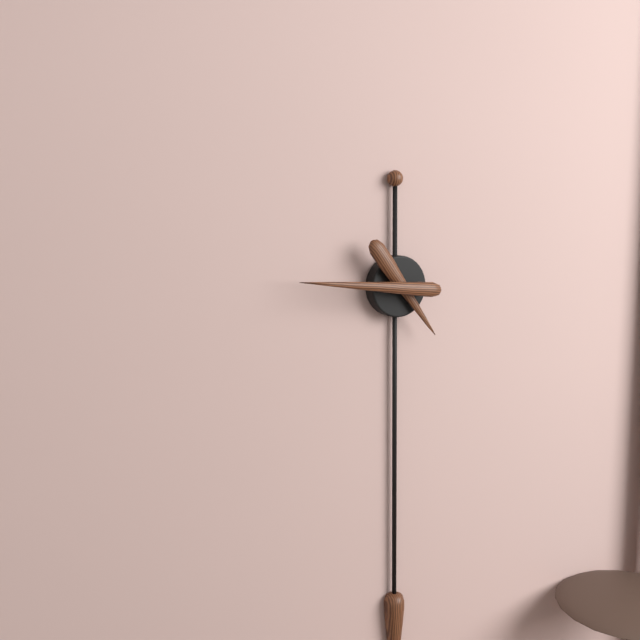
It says 4:46
